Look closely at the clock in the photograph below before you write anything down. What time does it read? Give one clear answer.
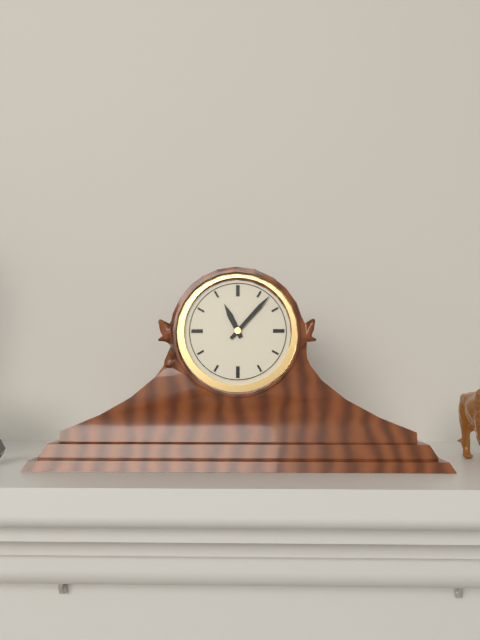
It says 11:07
